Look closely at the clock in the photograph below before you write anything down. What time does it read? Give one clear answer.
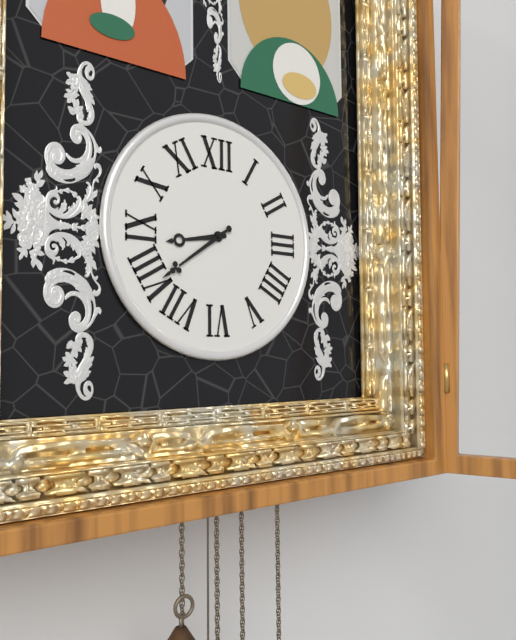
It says 8:39
